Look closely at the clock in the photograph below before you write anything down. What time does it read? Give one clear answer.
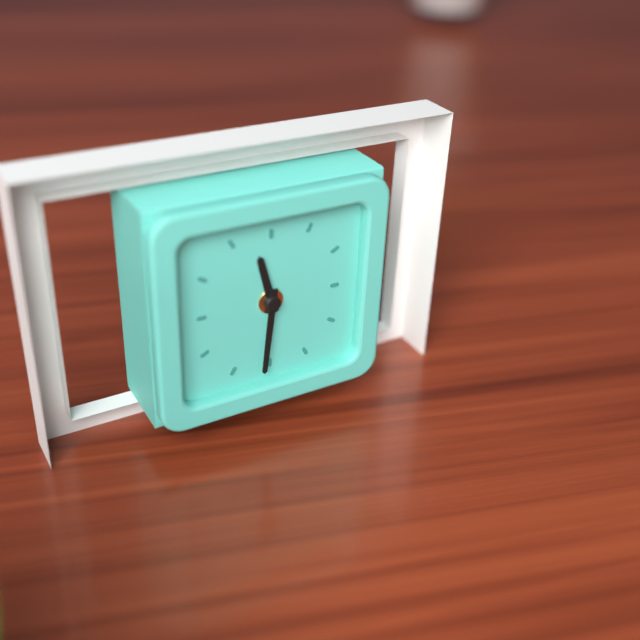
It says 11:31
